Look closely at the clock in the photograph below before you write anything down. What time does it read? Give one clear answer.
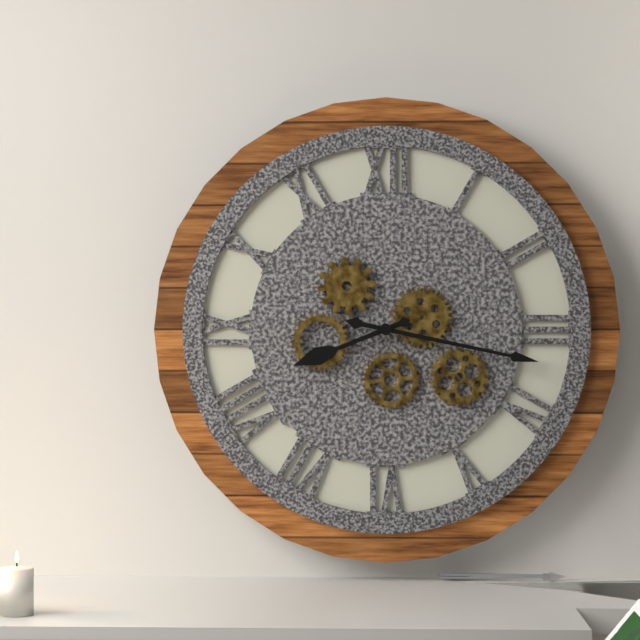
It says 8:17
